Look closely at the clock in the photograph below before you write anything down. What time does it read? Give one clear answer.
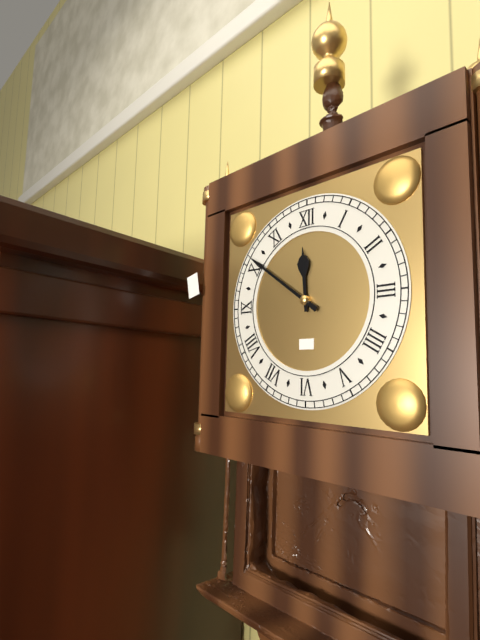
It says 11:51
